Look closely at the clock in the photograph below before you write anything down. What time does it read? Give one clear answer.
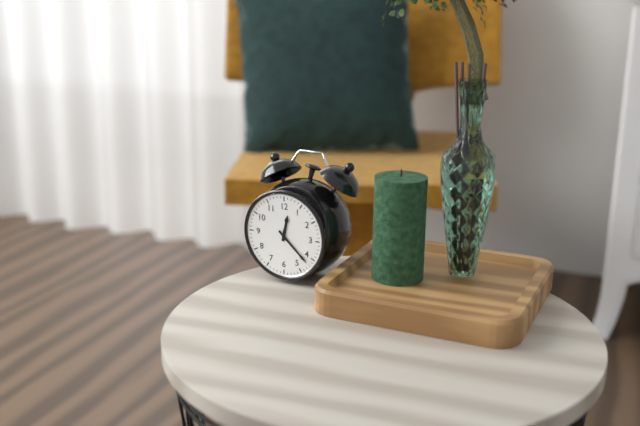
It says 12:22
